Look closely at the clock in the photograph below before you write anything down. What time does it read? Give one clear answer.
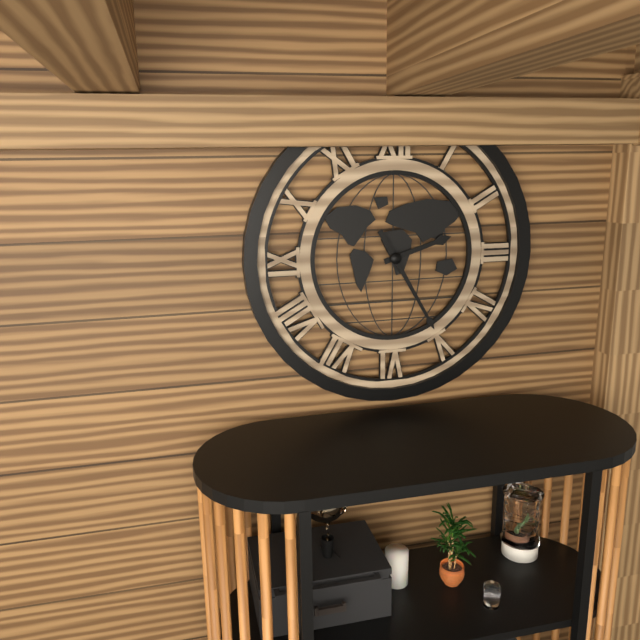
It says 2:25
